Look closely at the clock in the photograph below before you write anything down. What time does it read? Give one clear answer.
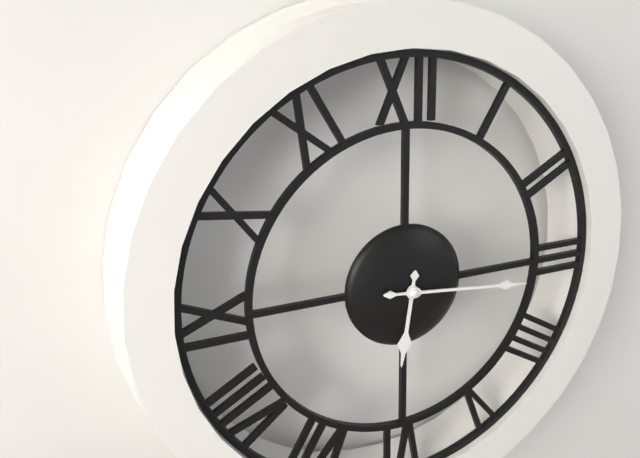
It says 6:16
